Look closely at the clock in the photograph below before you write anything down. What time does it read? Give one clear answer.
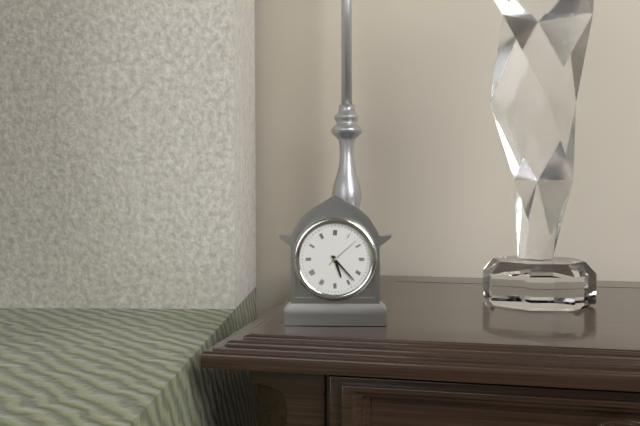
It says 5:23
